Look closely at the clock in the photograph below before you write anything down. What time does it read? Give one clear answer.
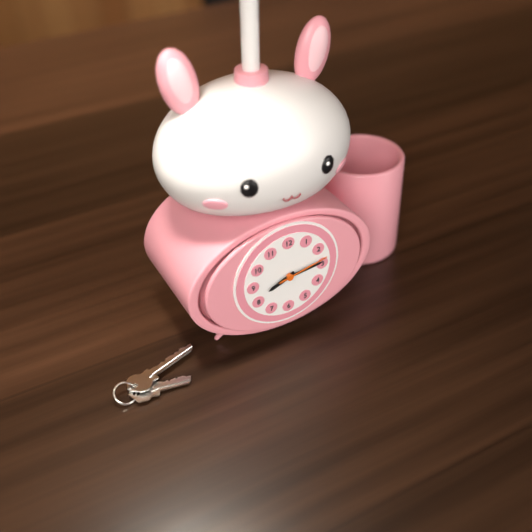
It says 8:14:13
